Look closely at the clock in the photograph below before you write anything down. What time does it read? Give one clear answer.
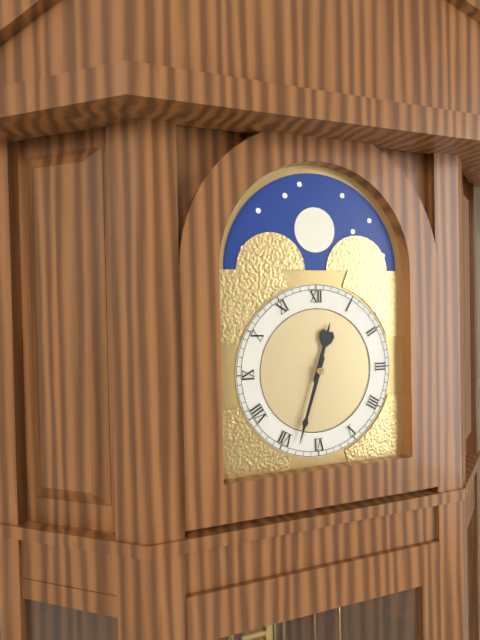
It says 12:33
